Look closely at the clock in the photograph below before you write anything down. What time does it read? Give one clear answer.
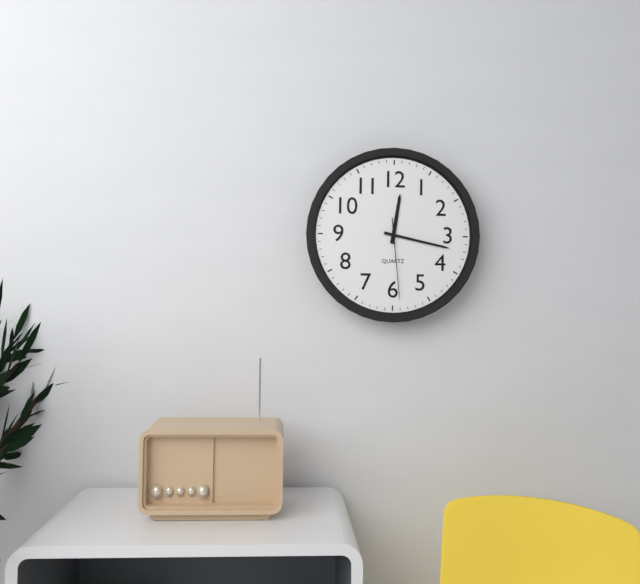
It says 12:17:29
